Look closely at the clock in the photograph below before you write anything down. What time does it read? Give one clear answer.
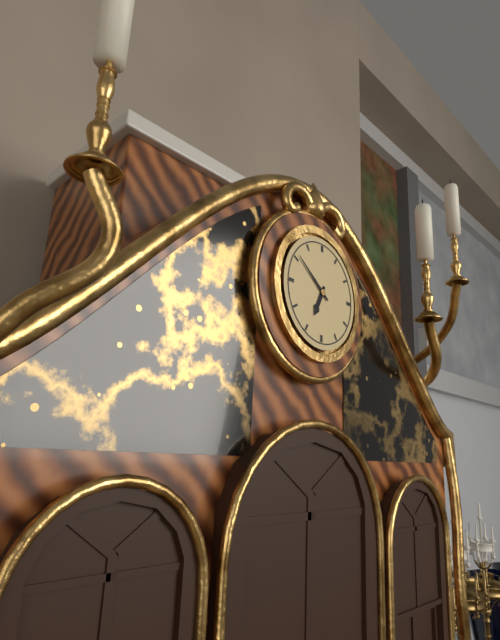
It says 6:51
